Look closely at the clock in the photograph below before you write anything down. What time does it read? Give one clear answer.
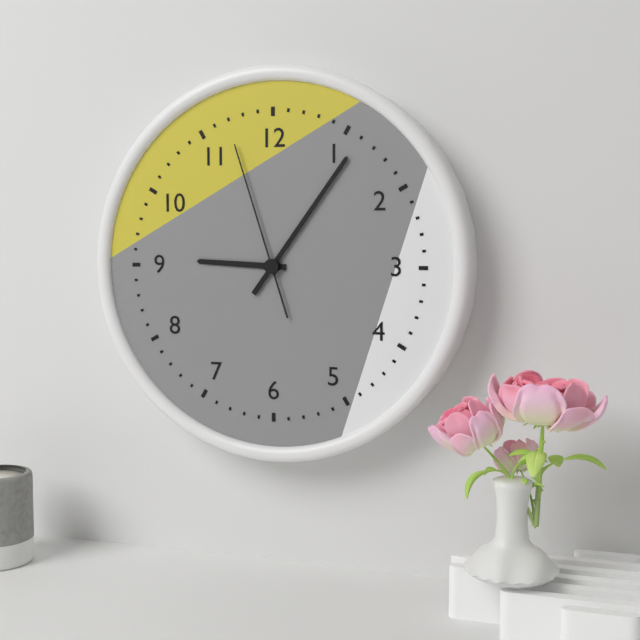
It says 9:06:57
